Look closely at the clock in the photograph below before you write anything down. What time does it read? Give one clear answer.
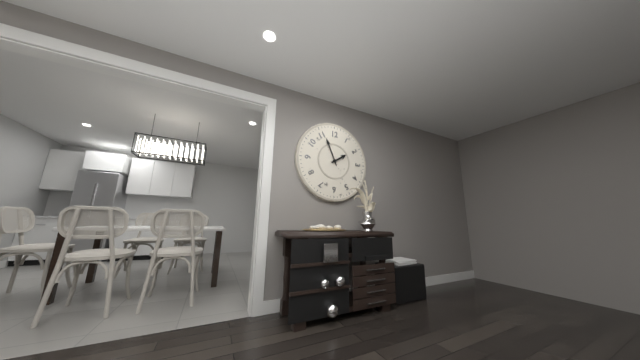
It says 1:56
